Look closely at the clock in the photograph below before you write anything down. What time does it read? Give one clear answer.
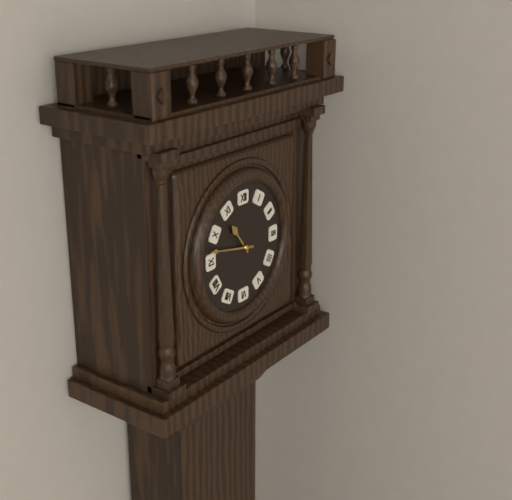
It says 10:47
